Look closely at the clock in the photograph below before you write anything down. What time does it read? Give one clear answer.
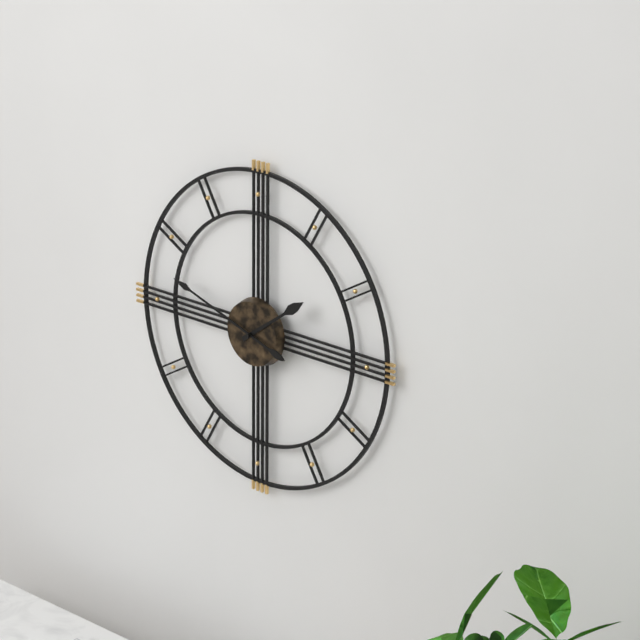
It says 1:48
